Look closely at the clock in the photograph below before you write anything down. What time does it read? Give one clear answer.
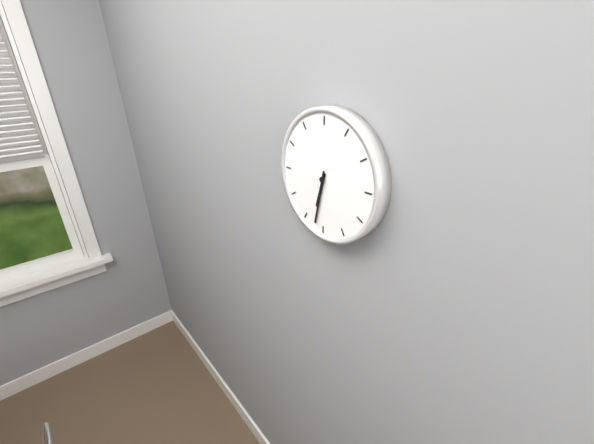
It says 6:32
